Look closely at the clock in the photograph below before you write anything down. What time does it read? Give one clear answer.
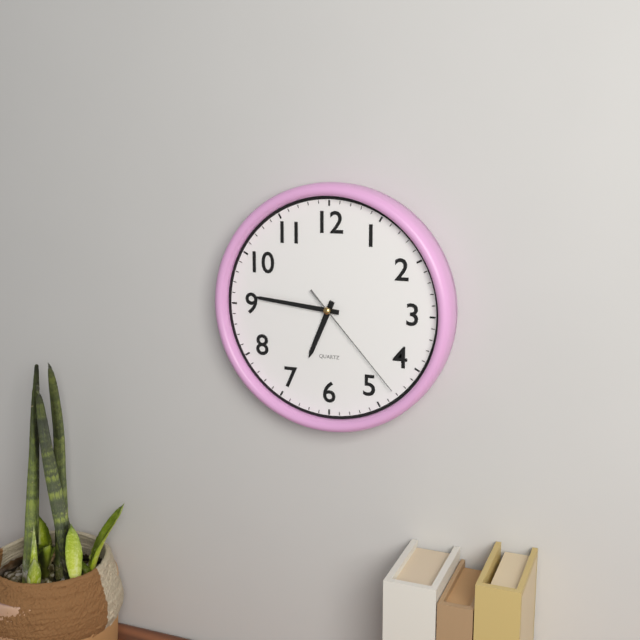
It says 6:46:23
